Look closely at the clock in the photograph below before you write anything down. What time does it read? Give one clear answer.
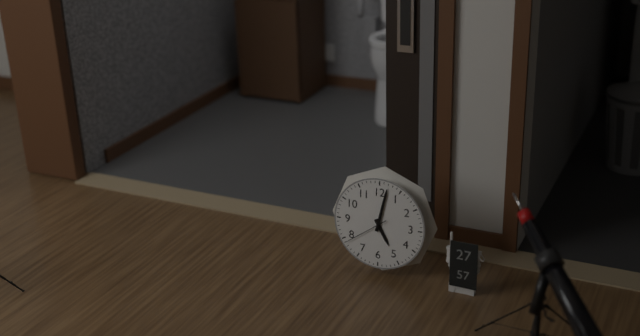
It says 5:02:39
